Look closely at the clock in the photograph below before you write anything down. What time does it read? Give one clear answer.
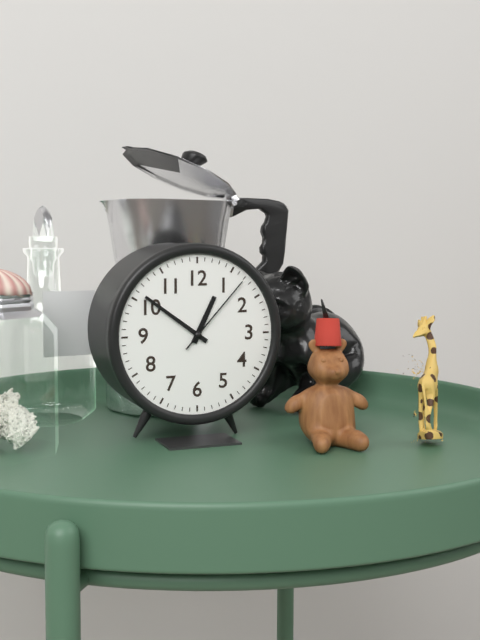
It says 12:51:07
